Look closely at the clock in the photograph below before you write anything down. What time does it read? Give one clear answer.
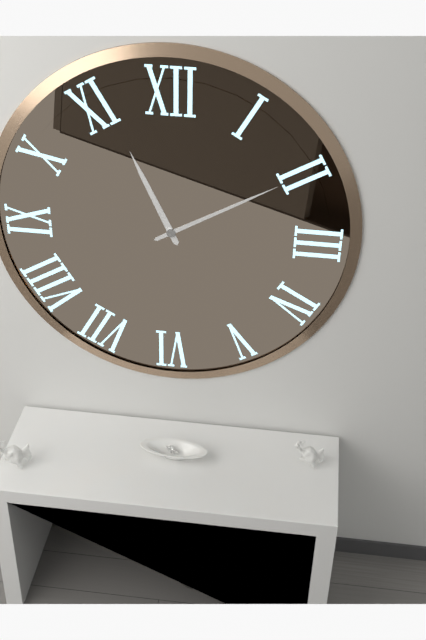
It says 11:10
